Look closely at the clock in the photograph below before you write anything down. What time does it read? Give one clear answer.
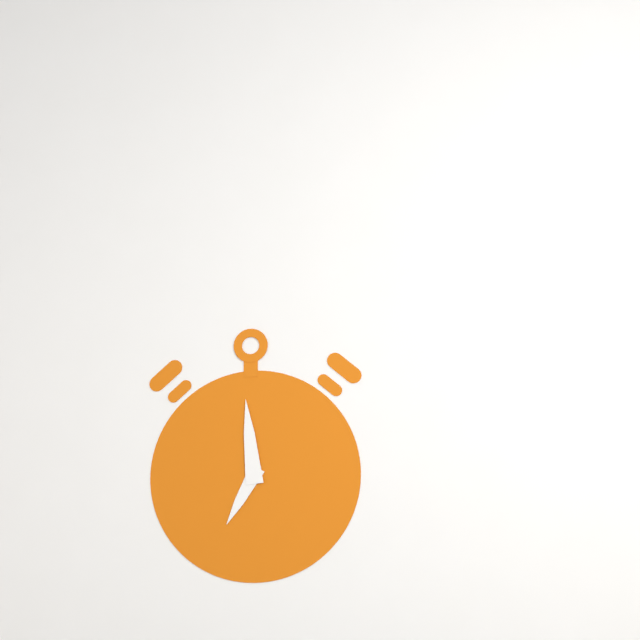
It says 6:59
